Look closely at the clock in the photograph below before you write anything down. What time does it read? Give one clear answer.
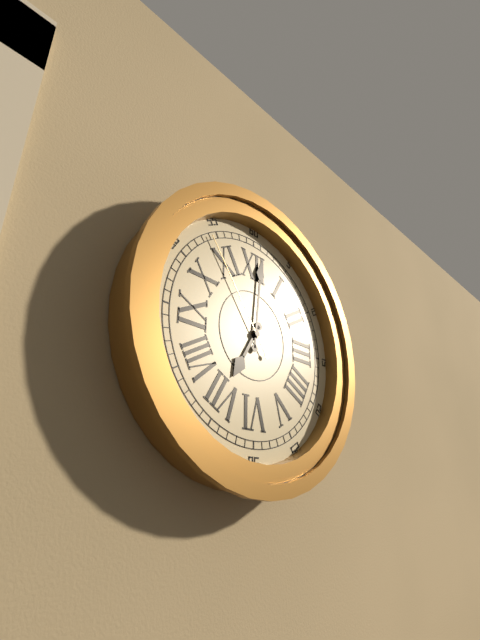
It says 7:01:54
